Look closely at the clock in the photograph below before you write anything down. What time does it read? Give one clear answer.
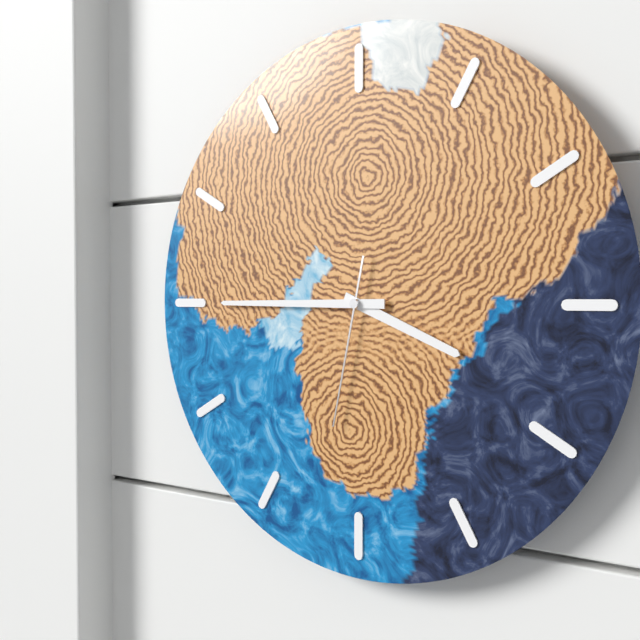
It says 3:45:32
